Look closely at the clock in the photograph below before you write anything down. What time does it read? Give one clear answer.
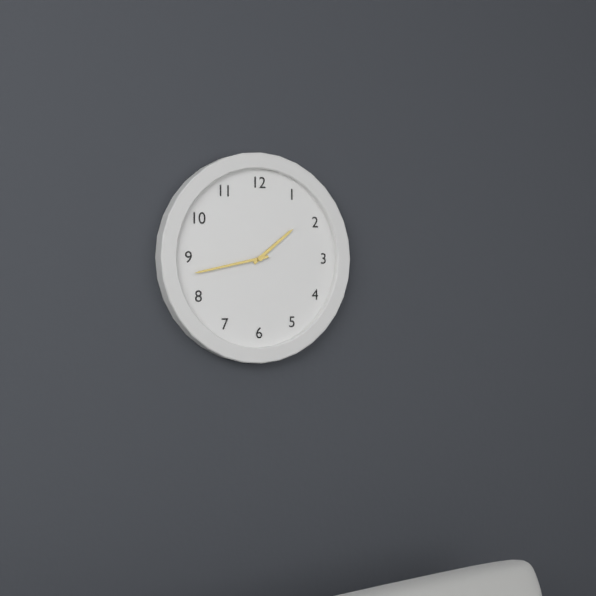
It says 1:43
